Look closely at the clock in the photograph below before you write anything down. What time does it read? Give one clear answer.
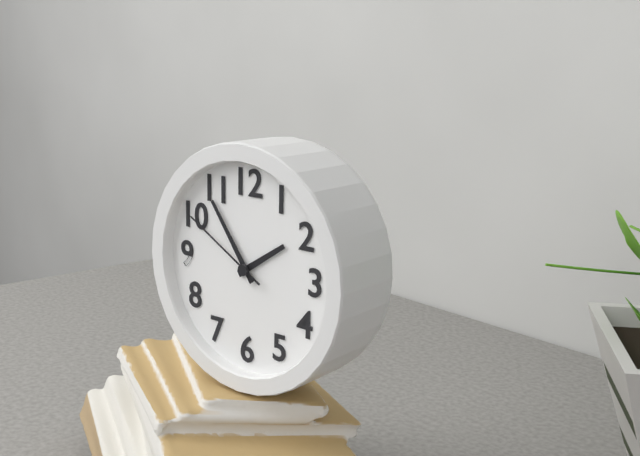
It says 1:54:50
